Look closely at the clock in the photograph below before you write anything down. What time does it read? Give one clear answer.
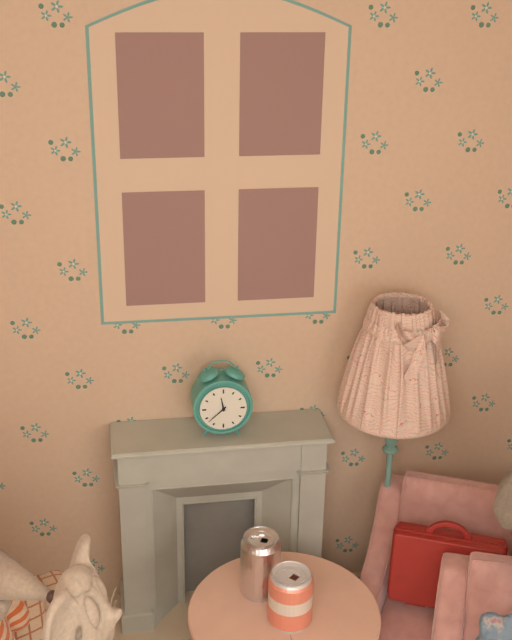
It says 11:38
